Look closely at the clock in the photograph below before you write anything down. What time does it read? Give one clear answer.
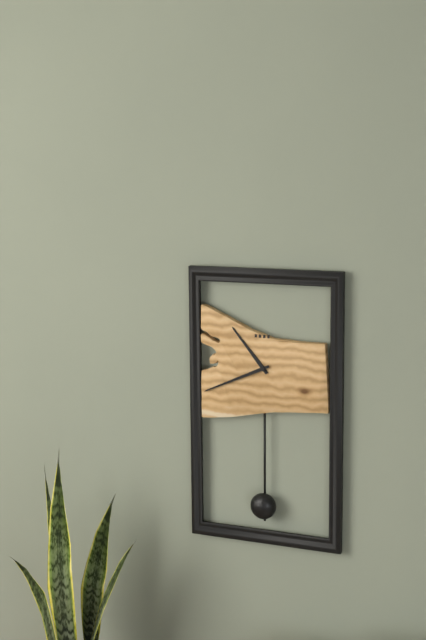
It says 10:41
